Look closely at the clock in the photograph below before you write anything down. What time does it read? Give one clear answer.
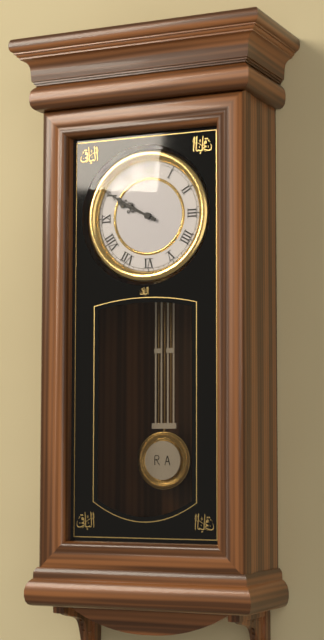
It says 9:50
